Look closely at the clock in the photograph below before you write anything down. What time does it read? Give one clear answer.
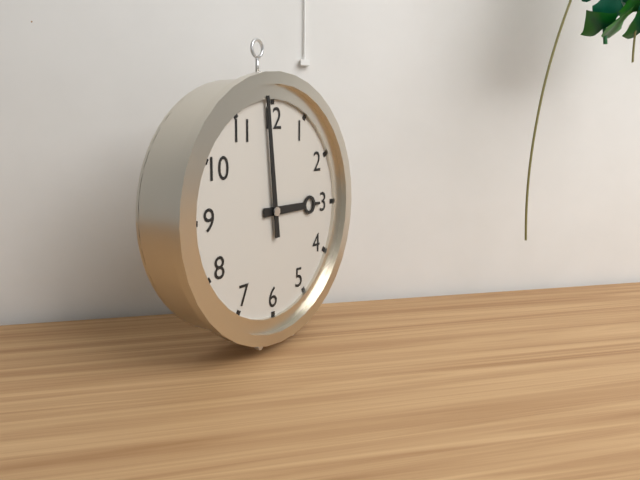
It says 2:59
